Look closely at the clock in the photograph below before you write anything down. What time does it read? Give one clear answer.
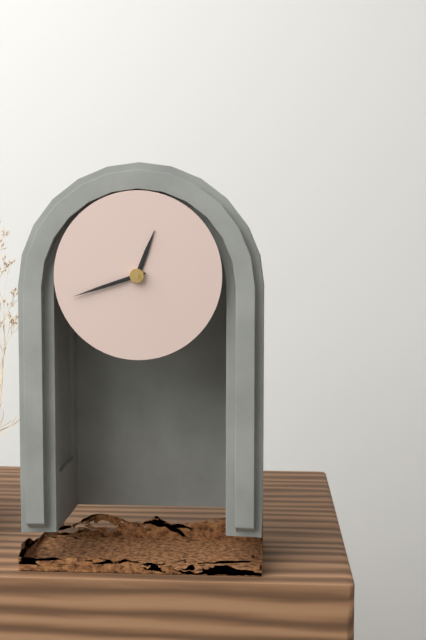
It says 12:42
